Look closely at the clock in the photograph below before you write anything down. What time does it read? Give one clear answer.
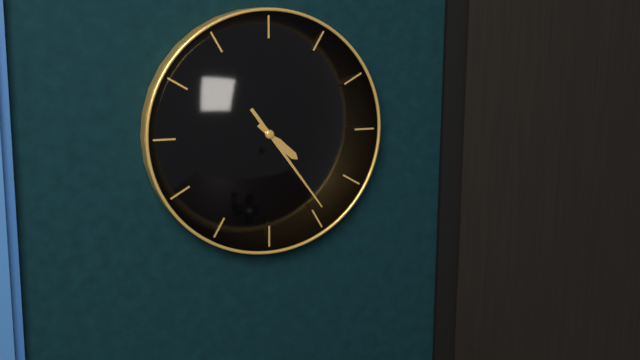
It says 4:24
